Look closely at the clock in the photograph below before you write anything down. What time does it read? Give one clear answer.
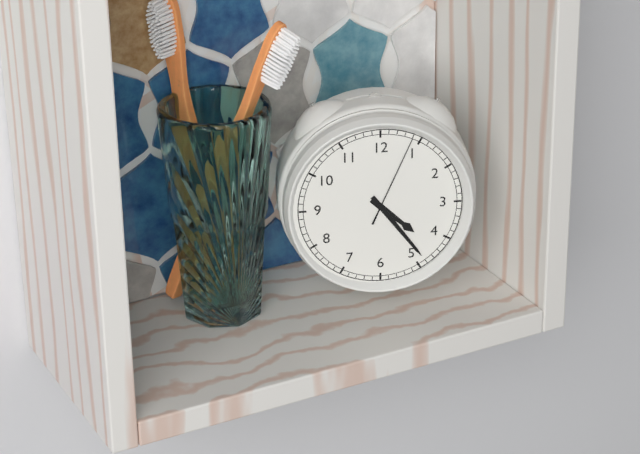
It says 4:24:04
